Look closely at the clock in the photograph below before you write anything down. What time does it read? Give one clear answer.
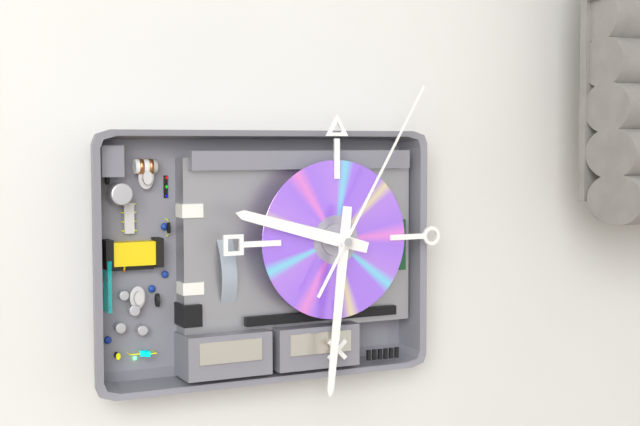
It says 9:31:05
